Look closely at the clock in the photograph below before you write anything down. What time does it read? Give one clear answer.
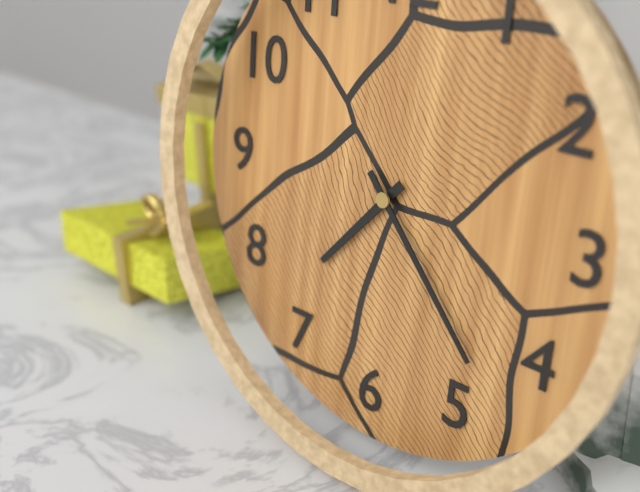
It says 7:23
